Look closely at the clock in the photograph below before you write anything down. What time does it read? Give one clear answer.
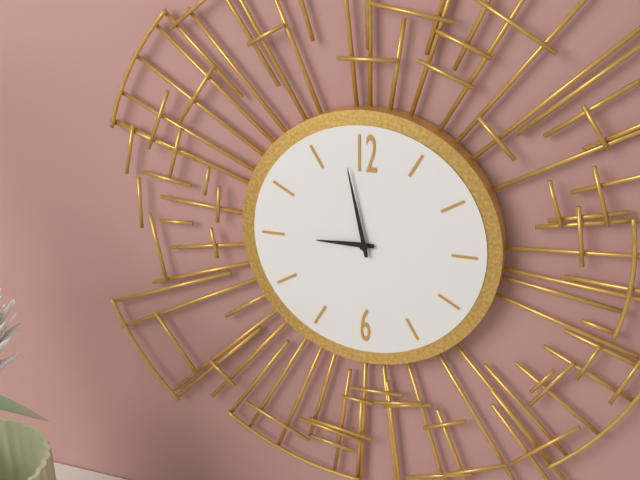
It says 8:58
